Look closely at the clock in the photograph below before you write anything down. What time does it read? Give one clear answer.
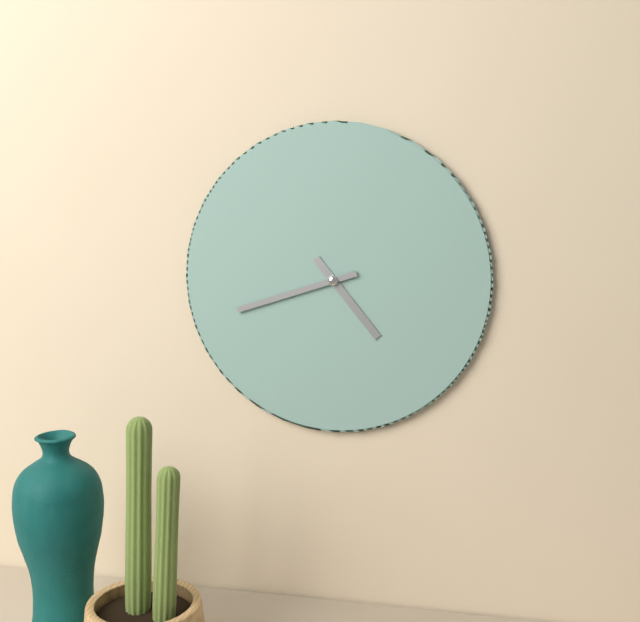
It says 4:42
